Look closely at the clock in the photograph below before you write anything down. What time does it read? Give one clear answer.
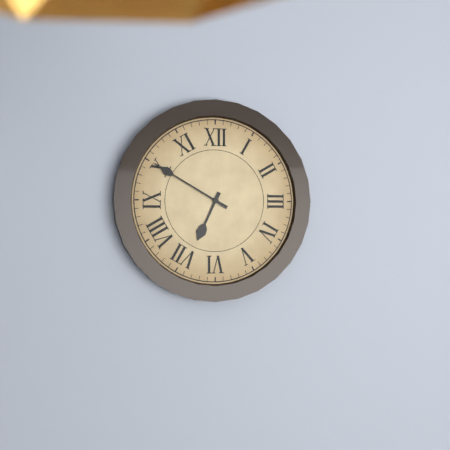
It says 6:50
